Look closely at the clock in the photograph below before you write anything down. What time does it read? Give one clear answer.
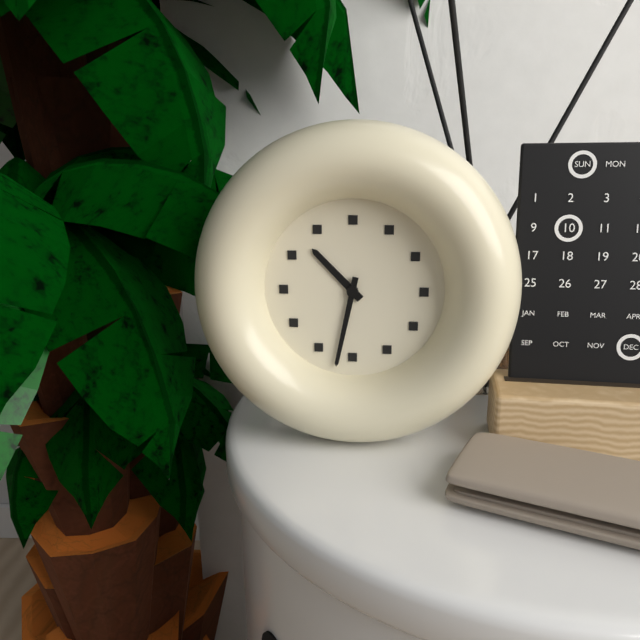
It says 10:32
